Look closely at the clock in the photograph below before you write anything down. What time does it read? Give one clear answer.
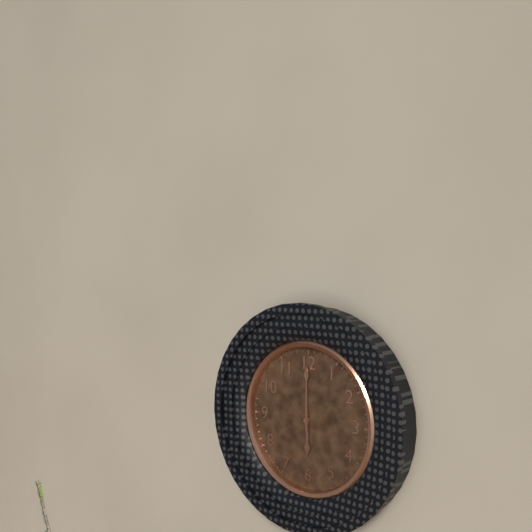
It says 6:00
